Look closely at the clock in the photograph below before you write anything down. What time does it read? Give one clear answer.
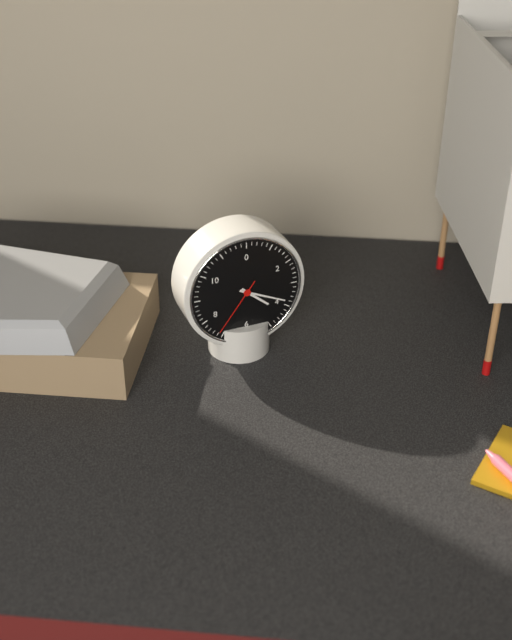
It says 4:19:36
